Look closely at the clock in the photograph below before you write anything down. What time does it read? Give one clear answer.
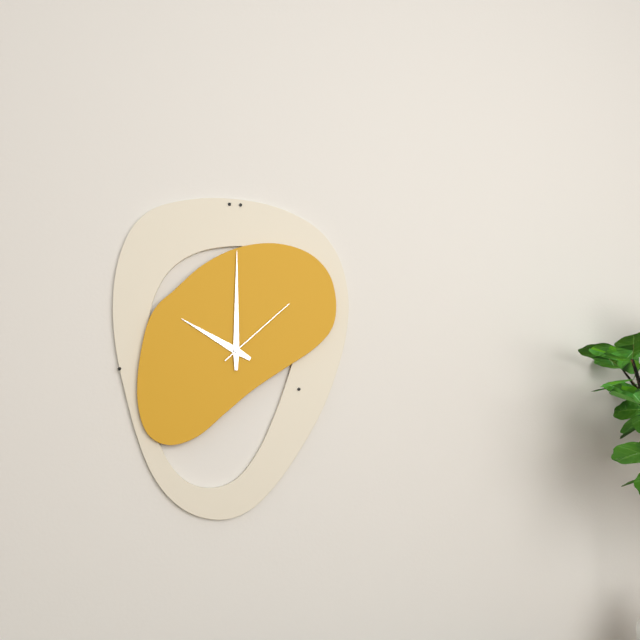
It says 10:00:08
